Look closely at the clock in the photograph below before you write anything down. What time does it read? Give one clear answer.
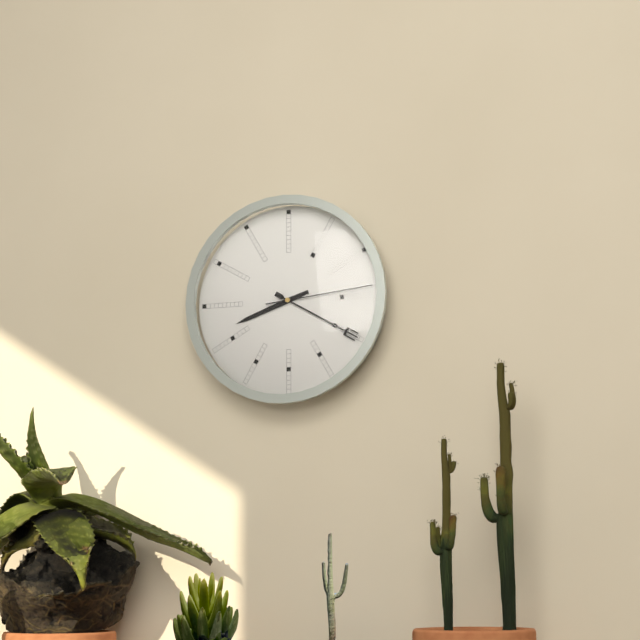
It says 8:20:14
